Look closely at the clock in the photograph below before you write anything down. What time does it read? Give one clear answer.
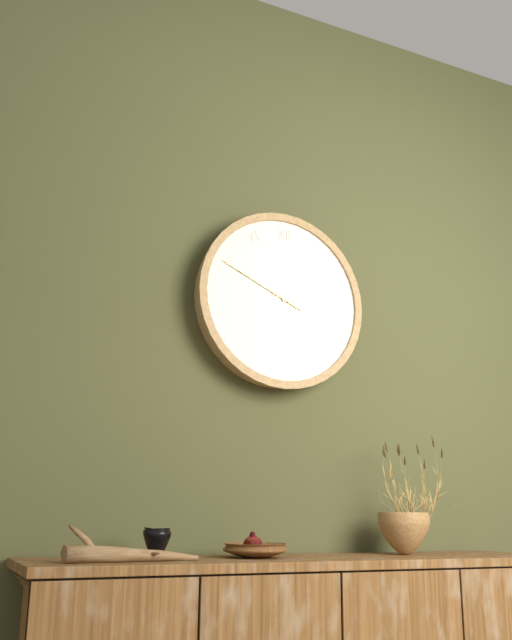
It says 9:49
